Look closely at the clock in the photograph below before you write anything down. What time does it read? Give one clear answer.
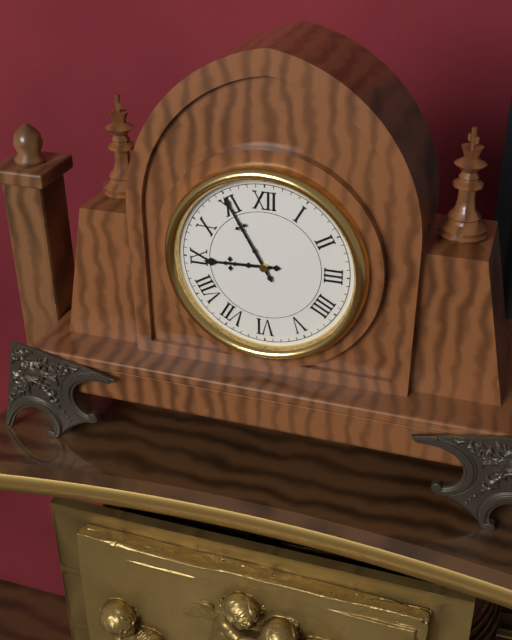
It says 8:55
